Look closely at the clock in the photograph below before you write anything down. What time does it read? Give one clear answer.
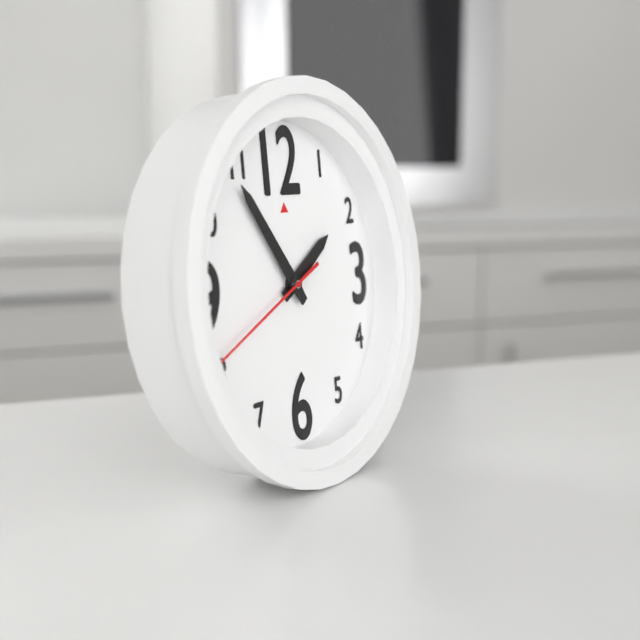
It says 1:54:41
